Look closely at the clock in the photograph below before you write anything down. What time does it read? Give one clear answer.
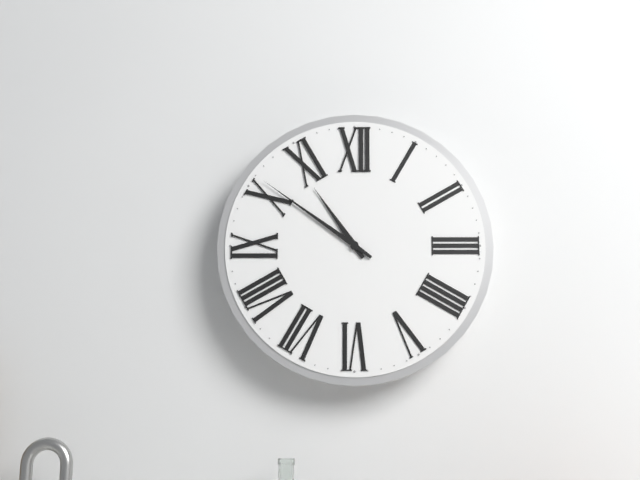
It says 10:51
